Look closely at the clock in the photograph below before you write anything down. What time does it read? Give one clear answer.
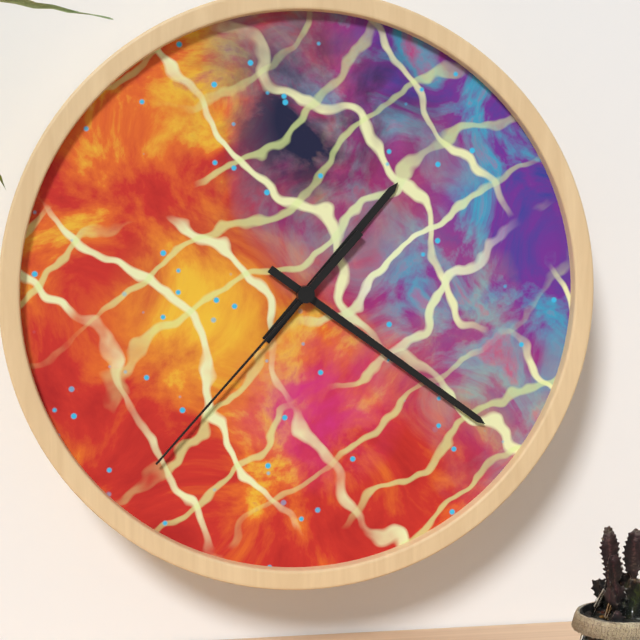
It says 1:21:37
